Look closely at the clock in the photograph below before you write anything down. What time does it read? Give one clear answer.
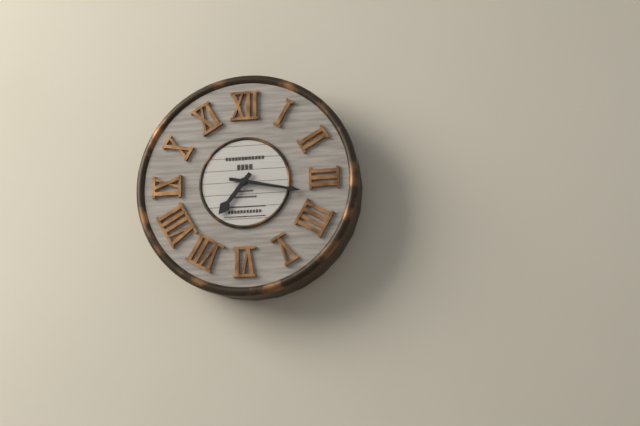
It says 7:17
